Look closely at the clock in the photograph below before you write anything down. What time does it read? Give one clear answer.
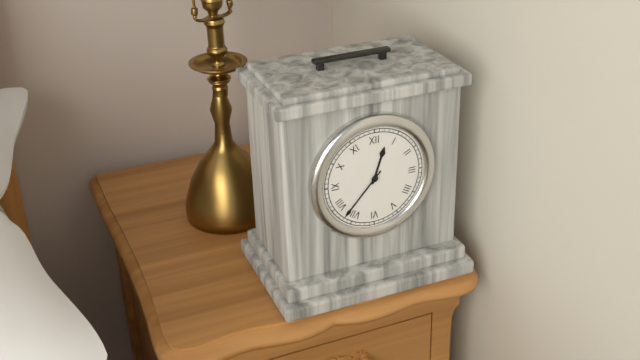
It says 12:37
